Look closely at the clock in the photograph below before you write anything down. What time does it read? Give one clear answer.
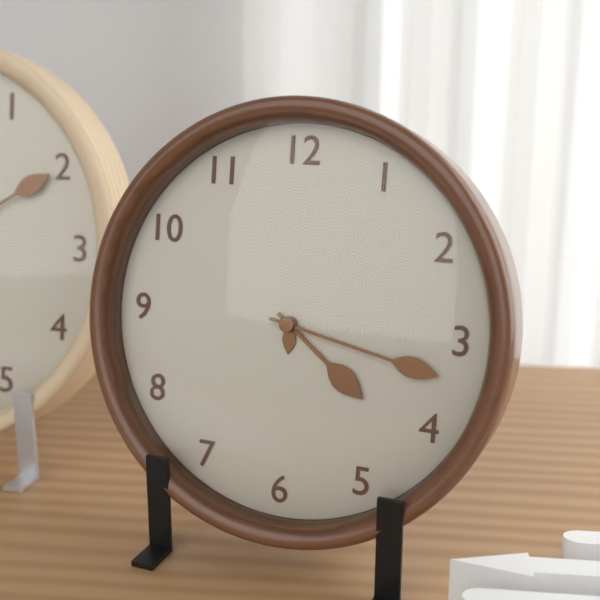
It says 4:17
